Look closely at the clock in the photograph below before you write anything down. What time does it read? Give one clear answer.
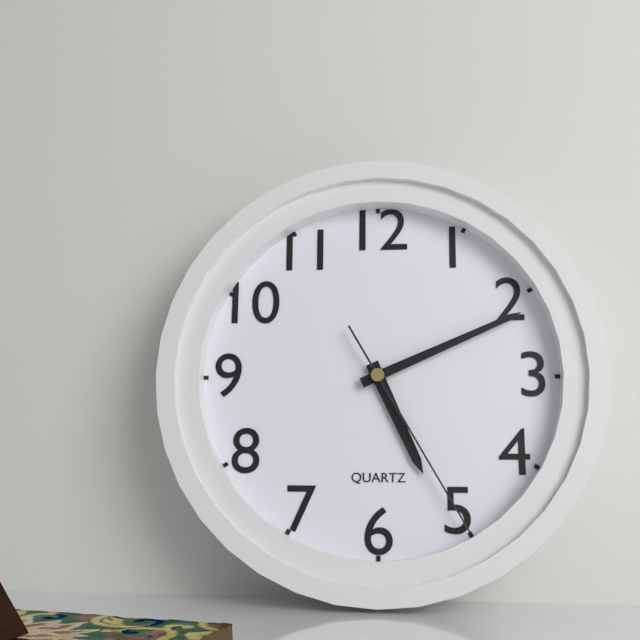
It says 5:11:25
